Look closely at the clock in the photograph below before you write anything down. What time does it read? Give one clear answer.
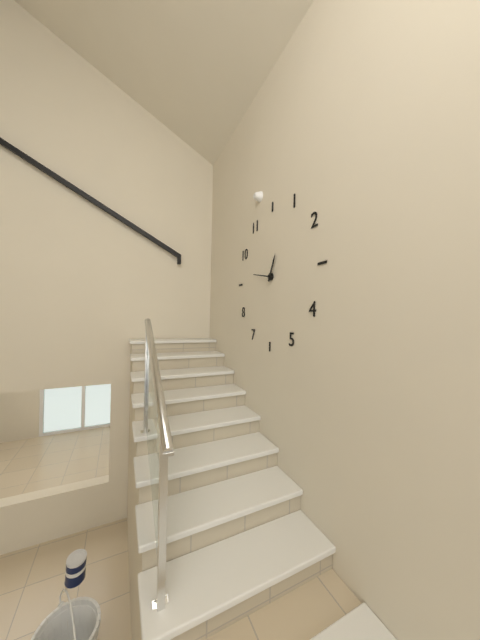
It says 12:47
